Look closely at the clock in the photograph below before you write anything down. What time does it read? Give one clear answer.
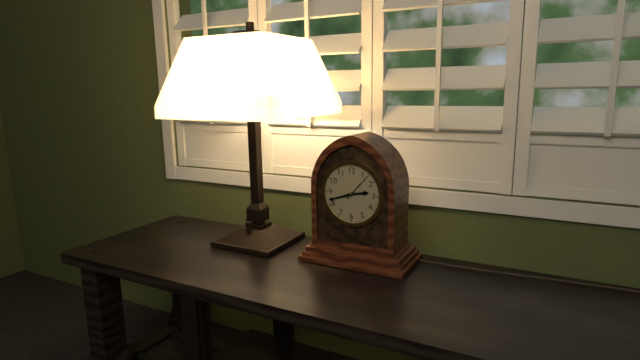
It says 2:42
